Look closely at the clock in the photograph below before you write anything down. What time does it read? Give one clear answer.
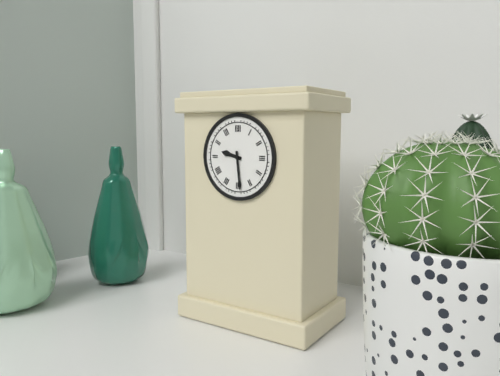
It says 9:29
